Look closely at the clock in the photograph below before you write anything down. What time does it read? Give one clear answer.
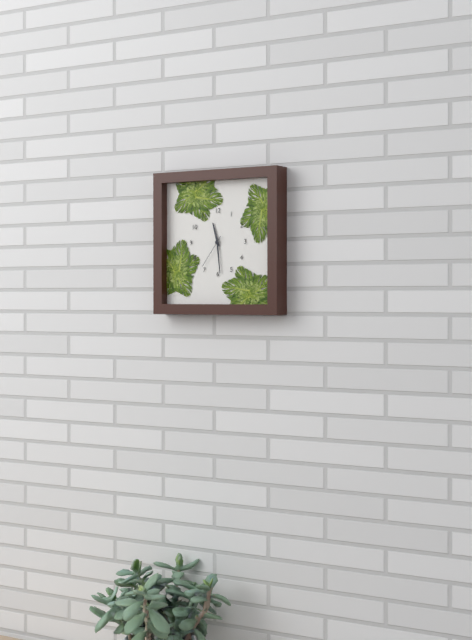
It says 11:29
